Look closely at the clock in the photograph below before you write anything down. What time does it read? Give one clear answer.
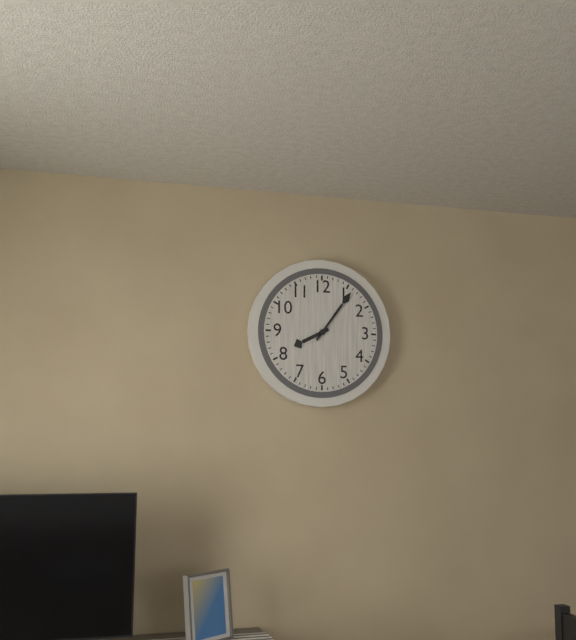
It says 8:06
